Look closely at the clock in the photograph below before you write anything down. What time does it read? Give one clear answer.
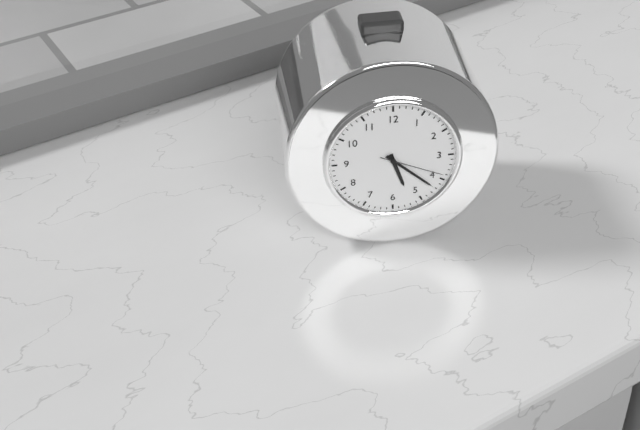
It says 5:22:19
